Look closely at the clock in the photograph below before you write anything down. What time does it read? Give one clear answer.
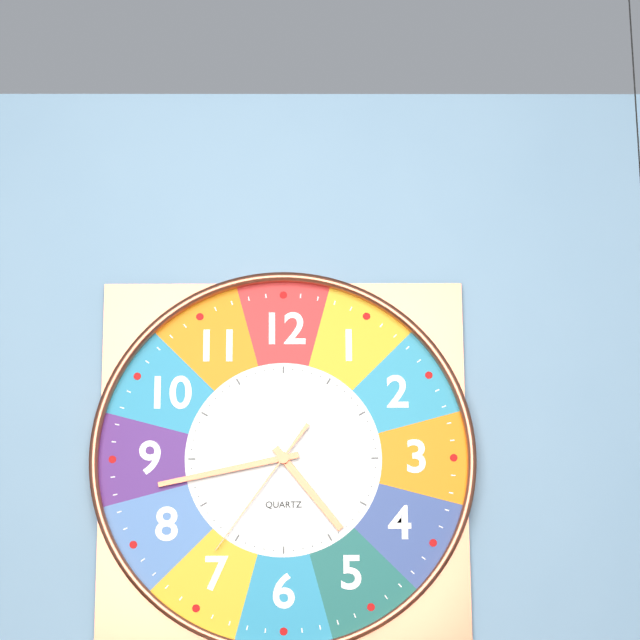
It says 4:43:36
